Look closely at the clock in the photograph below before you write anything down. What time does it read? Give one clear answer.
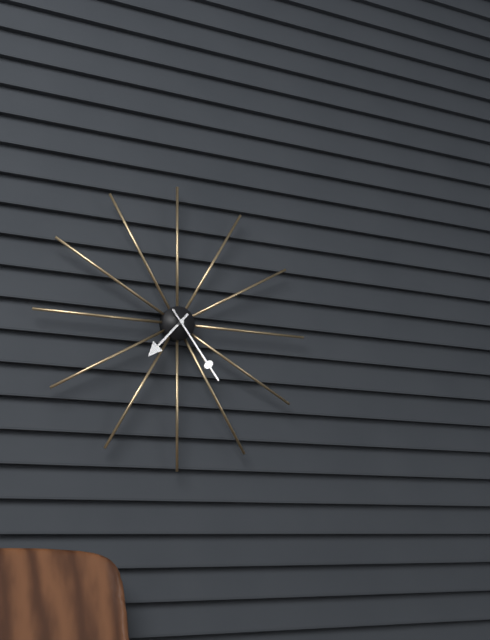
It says 7:24
